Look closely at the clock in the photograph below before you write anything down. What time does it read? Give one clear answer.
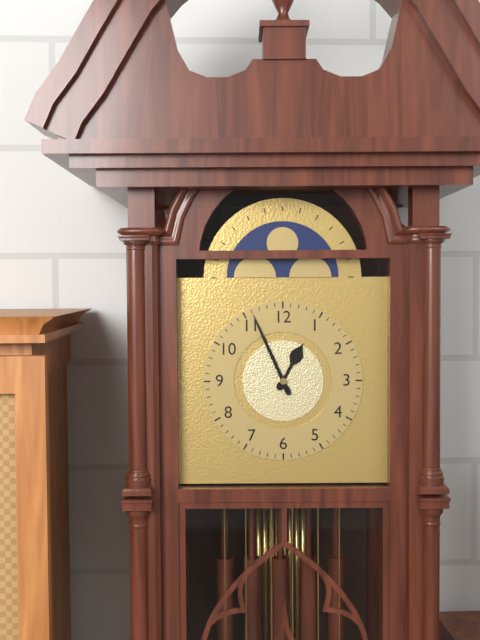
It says 12:56
